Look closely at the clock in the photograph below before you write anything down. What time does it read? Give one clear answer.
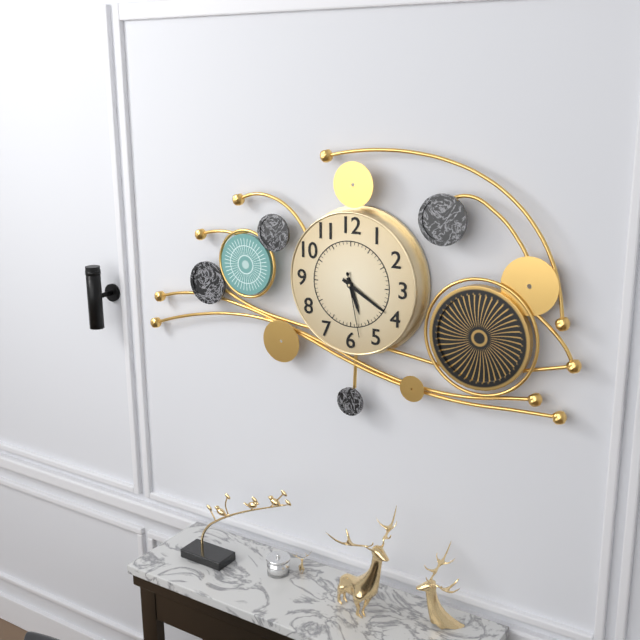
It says 5:20:28
